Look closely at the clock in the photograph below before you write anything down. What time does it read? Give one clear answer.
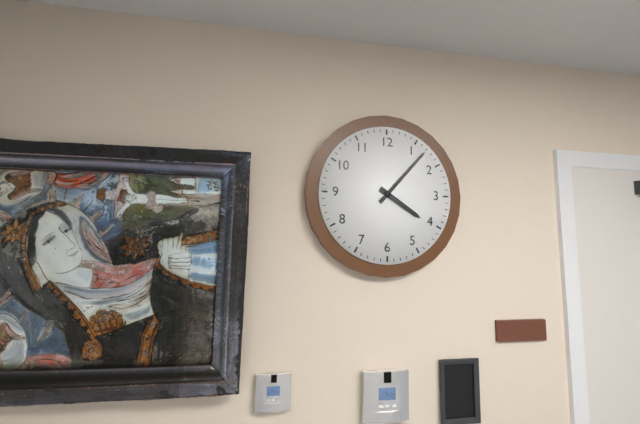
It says 4:07
